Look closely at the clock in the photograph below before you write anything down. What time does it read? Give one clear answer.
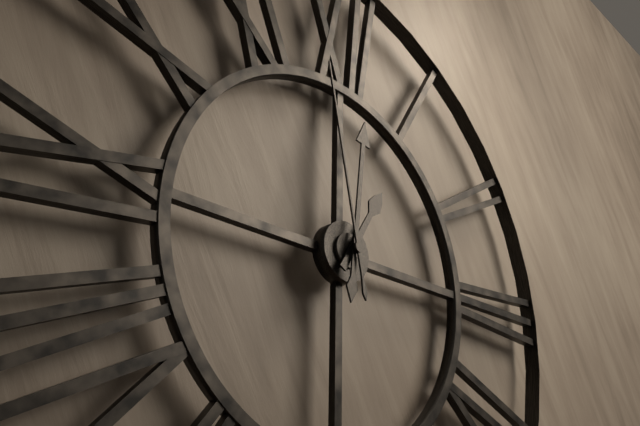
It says 1:01:58
